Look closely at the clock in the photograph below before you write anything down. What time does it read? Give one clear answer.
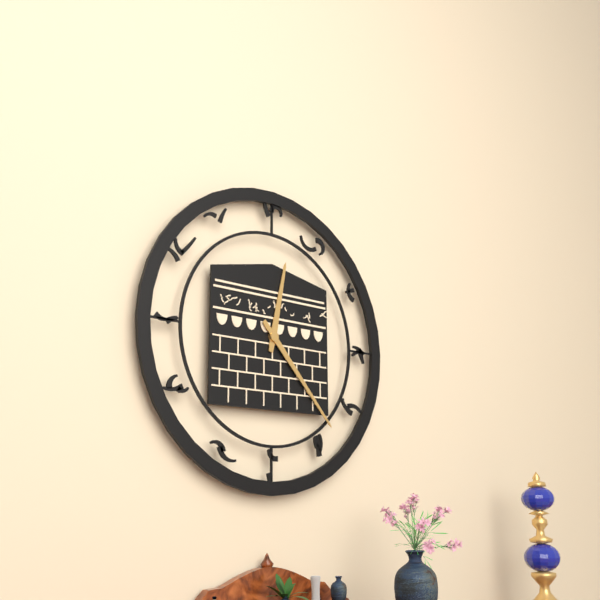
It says 12:23
